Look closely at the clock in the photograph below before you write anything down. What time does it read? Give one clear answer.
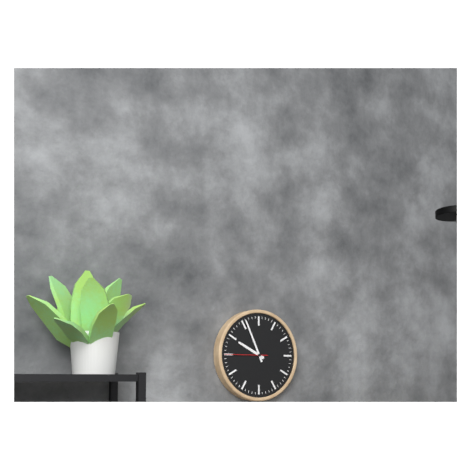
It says 9:56
